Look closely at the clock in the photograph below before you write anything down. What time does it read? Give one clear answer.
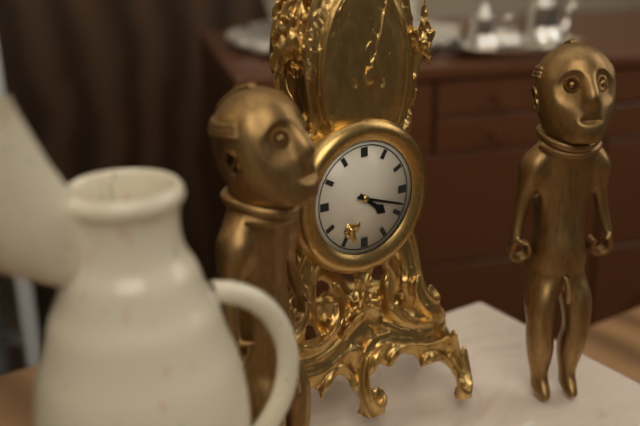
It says 4:18
